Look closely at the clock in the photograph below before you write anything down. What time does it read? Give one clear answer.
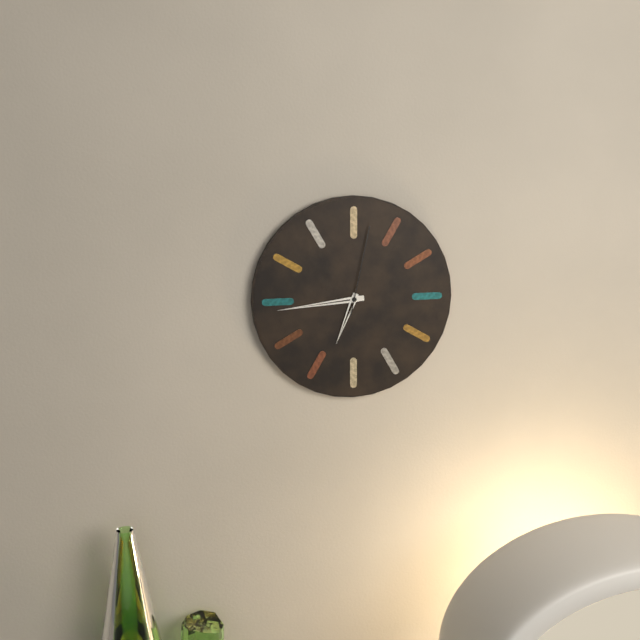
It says 6:44:02
